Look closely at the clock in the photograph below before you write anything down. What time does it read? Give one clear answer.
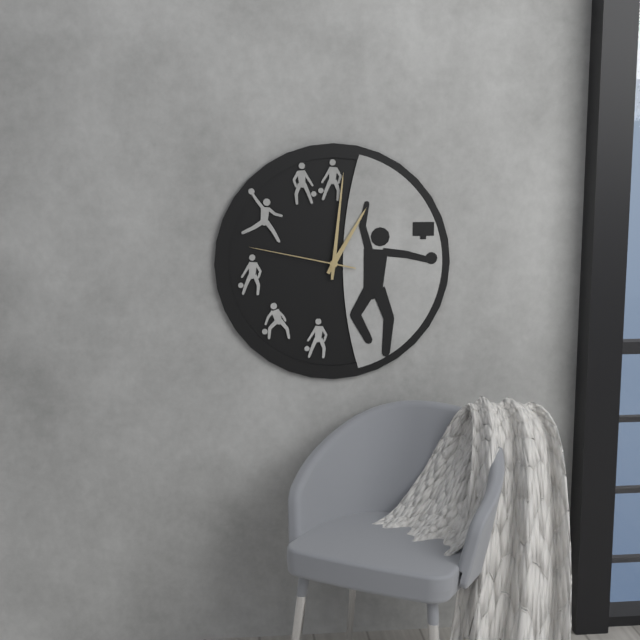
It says 1:01:47
